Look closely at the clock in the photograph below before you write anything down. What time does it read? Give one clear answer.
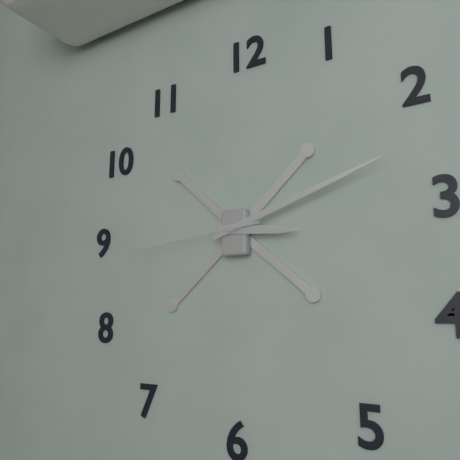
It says 3:12:44
